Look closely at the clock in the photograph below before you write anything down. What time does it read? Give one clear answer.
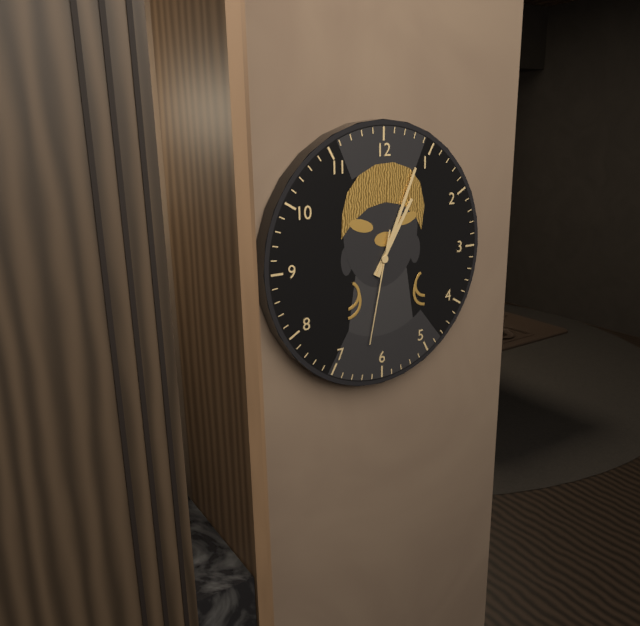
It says 1:04:32
